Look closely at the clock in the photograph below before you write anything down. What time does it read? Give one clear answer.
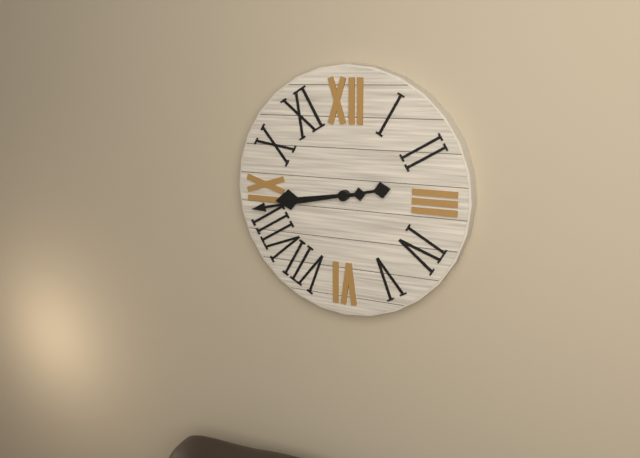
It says 8:43
